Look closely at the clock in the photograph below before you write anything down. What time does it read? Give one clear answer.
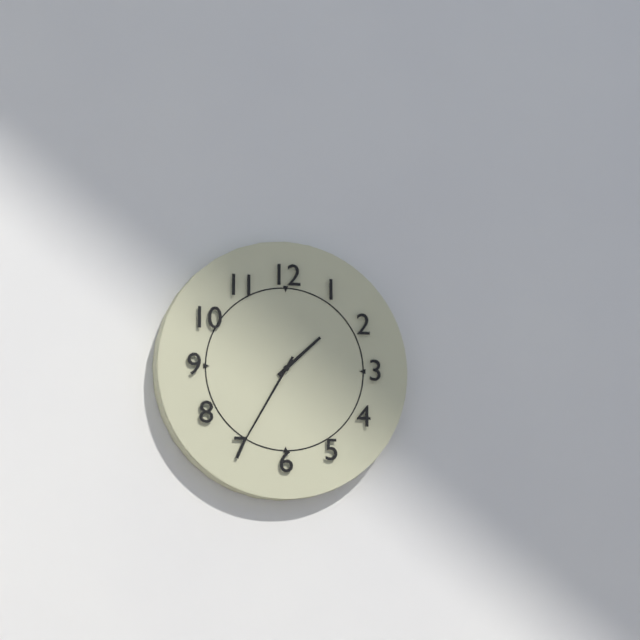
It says 1:35
